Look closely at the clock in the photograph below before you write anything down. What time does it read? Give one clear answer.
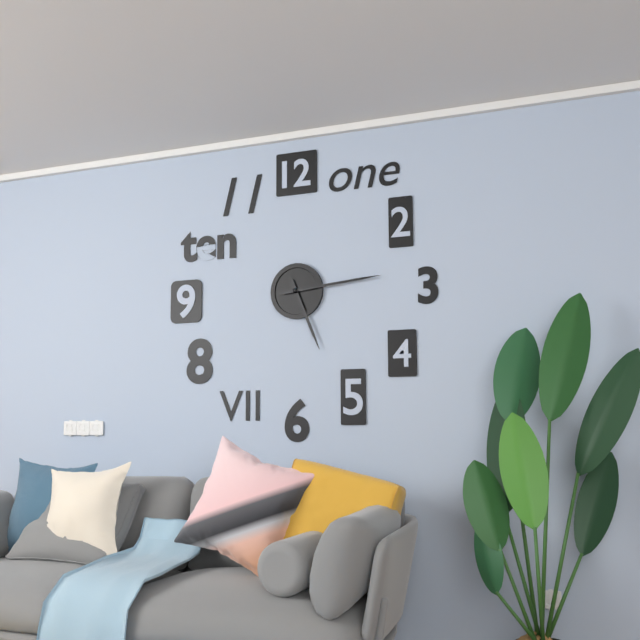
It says 5:14
